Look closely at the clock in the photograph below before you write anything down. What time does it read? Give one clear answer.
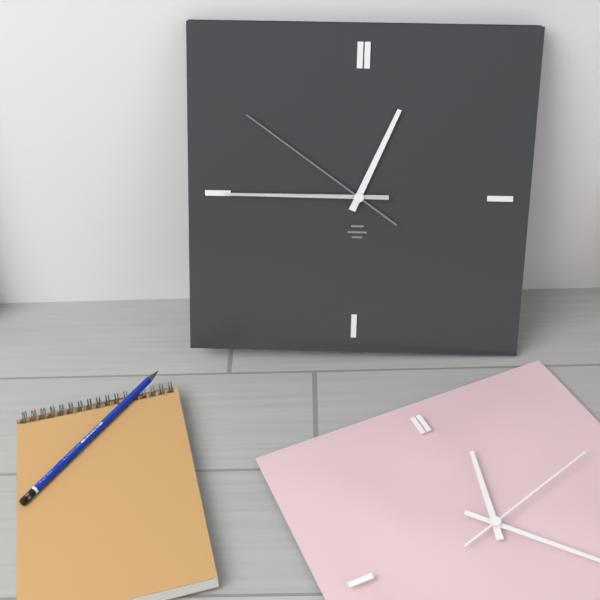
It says 12:45:51
